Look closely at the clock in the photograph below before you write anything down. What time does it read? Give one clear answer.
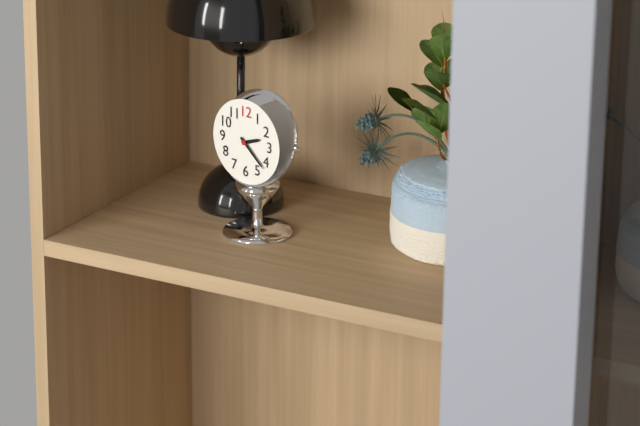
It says 2:22
